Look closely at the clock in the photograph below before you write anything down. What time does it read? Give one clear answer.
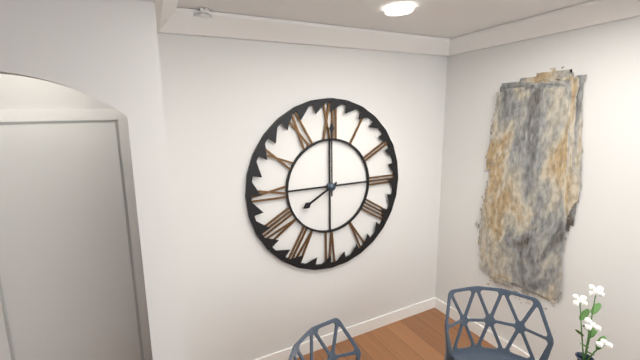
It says 8:00
